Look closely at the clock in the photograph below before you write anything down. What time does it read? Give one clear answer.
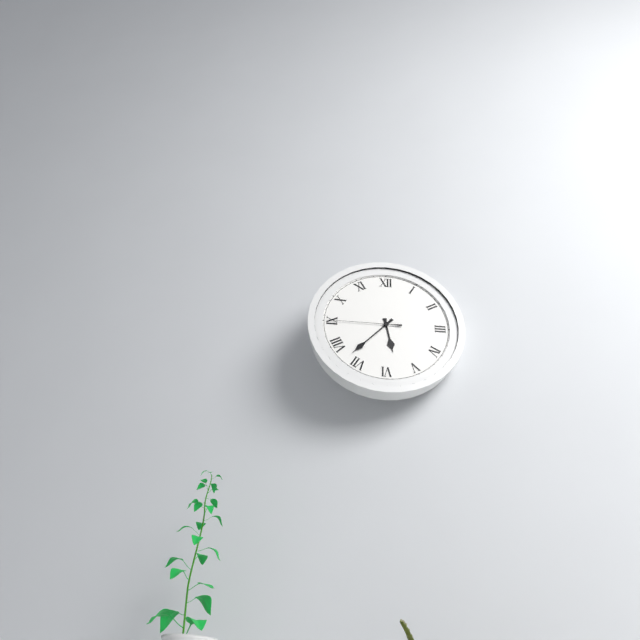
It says 5:37:45
